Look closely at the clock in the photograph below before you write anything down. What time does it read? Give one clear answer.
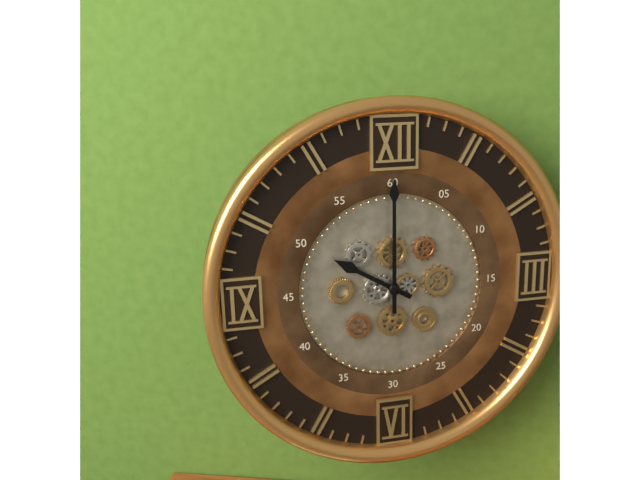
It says 10:00
